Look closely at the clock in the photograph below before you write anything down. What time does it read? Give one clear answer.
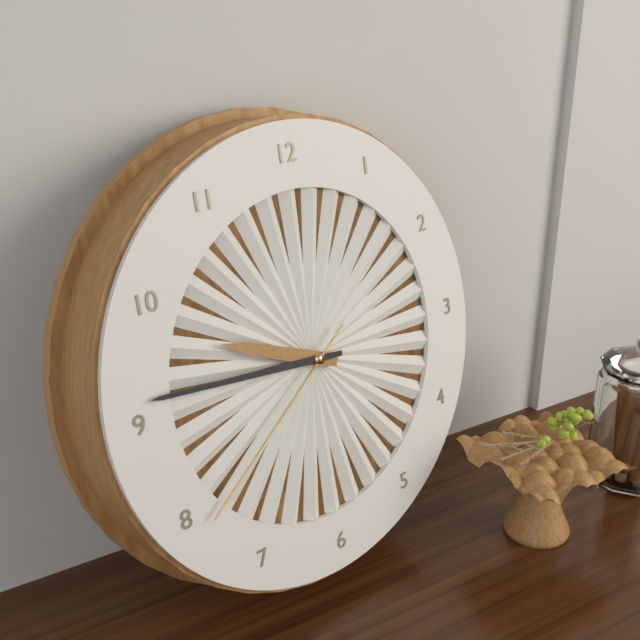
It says 9:46:39
